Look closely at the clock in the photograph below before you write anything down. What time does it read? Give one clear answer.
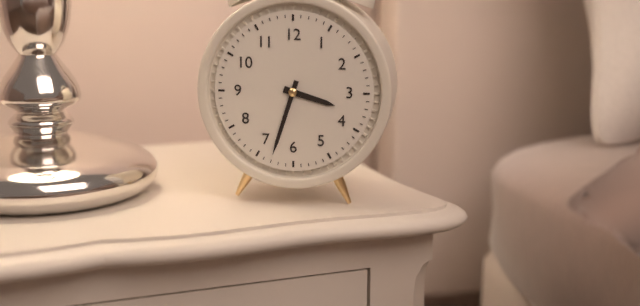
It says 3:33
